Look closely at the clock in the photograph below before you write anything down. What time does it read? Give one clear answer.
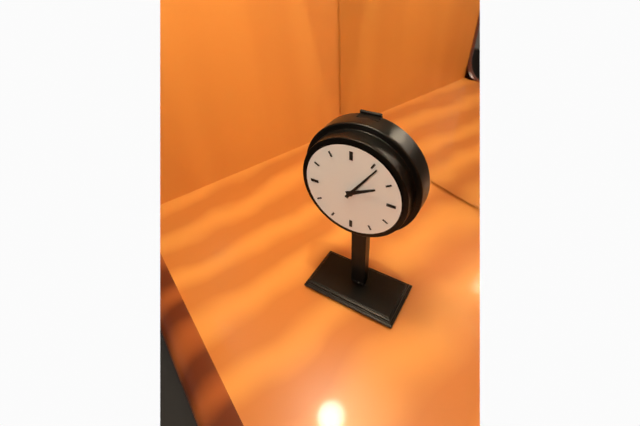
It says 2:06
